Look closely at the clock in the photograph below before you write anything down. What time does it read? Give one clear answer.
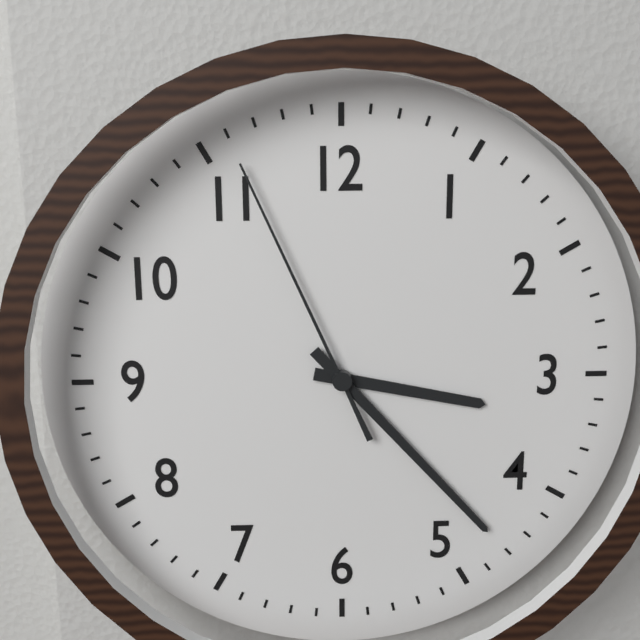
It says 3:23:56
